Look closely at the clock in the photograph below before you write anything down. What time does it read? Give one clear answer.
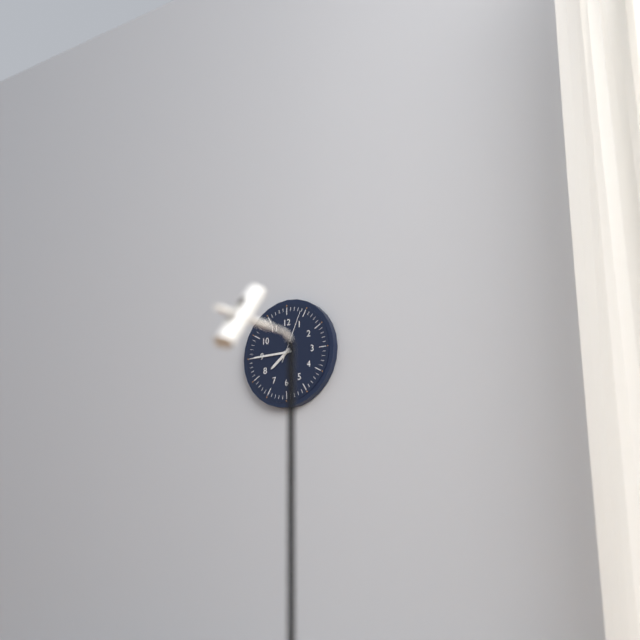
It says 7:45:04
